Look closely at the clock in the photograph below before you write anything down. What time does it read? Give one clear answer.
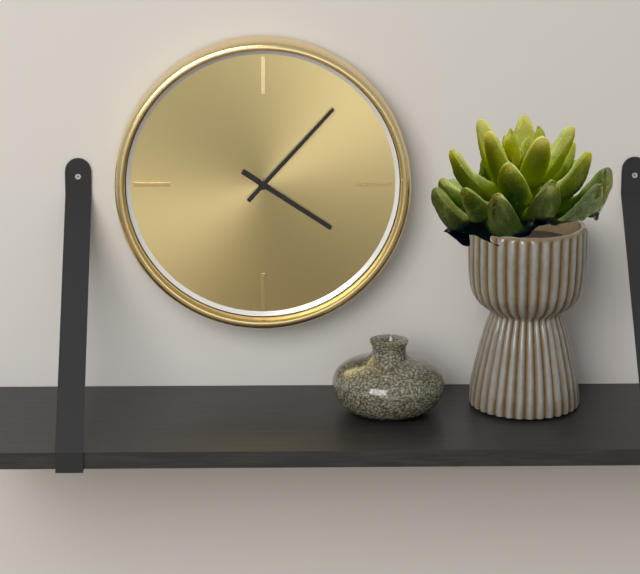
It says 4:07
